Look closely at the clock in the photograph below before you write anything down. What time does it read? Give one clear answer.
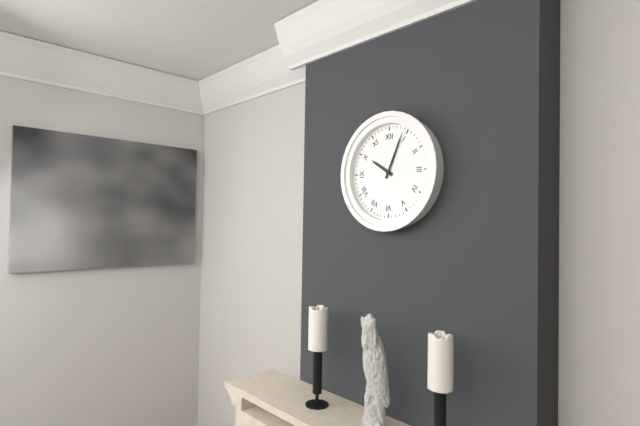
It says 10:04
